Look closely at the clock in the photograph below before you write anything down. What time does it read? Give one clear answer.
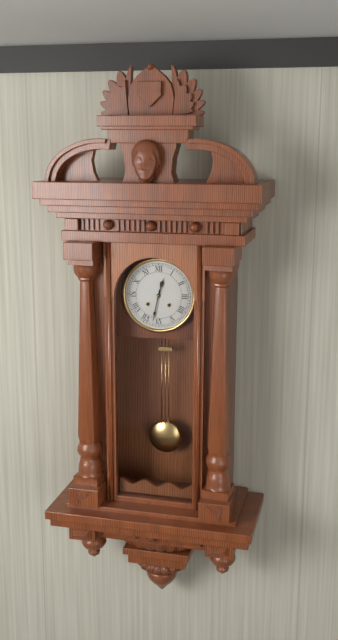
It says 12:32
